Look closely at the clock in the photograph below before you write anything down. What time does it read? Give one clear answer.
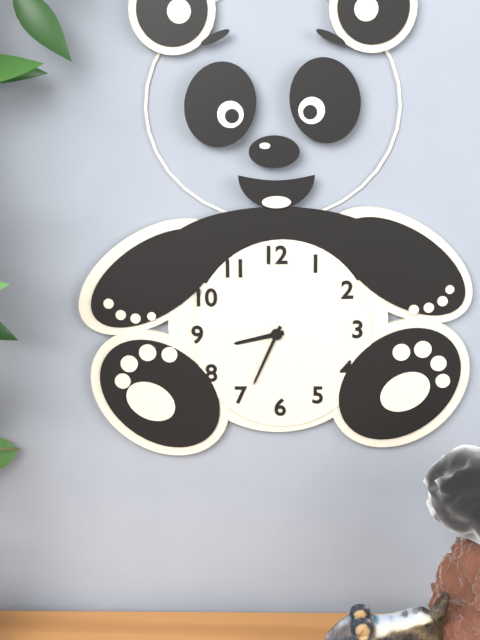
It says 8:34
